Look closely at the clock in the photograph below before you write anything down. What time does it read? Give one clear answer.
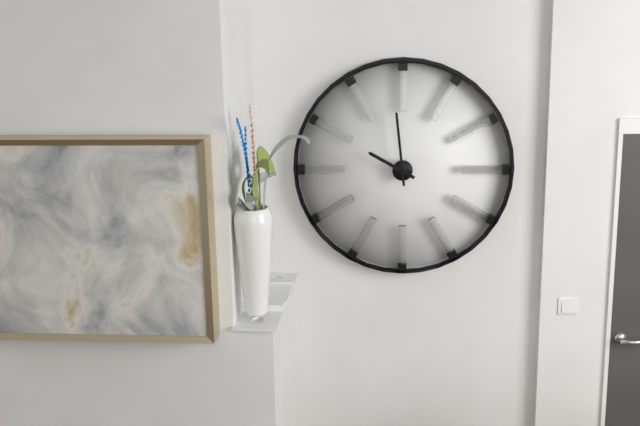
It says 9:59
